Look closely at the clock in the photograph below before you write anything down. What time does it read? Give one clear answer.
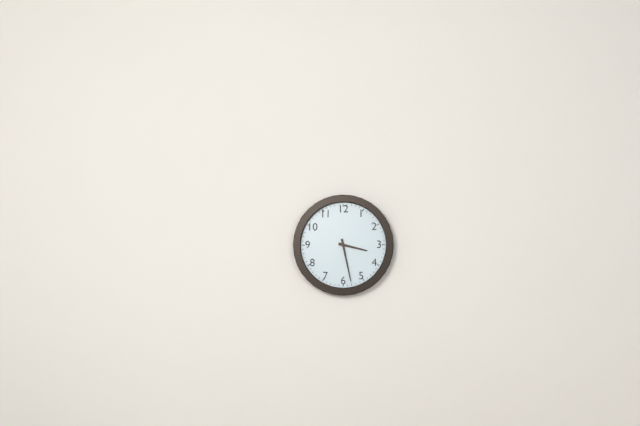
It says 3:28
